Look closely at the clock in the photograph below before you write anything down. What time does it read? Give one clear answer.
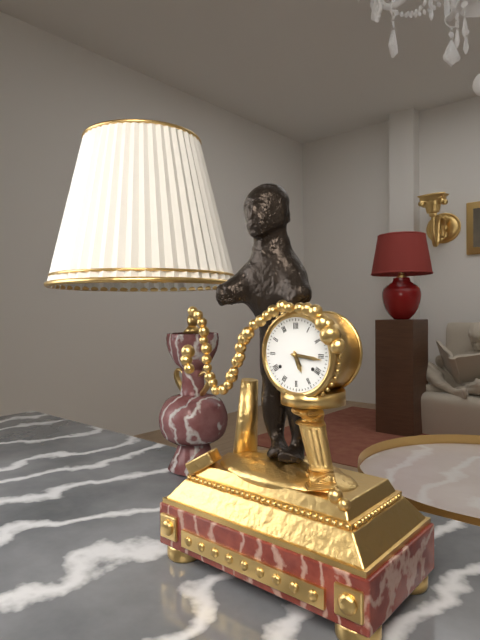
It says 5:16
